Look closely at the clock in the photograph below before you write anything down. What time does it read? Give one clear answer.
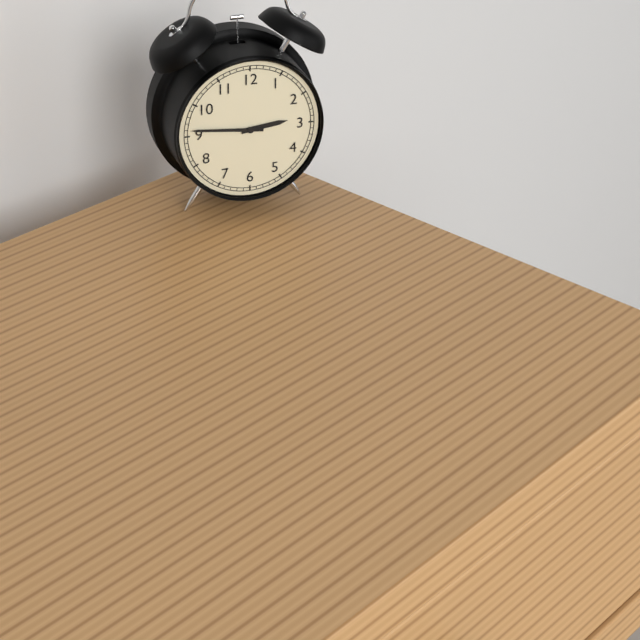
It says 2:46
